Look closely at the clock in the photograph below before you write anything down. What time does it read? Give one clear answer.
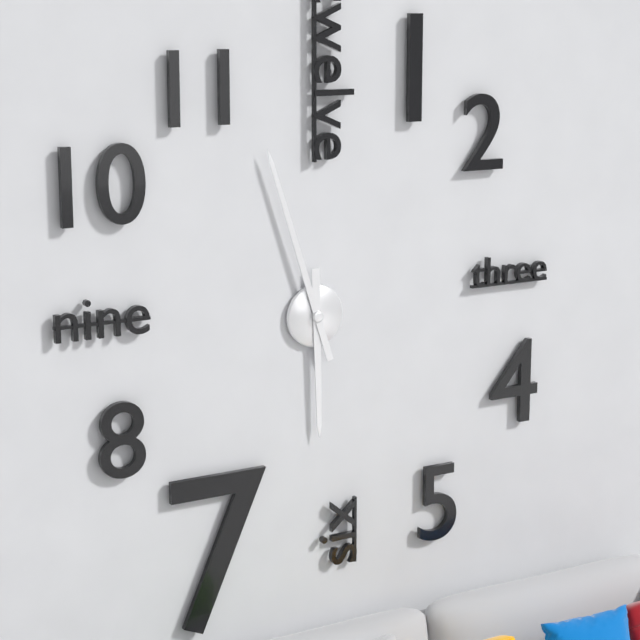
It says 5:57
